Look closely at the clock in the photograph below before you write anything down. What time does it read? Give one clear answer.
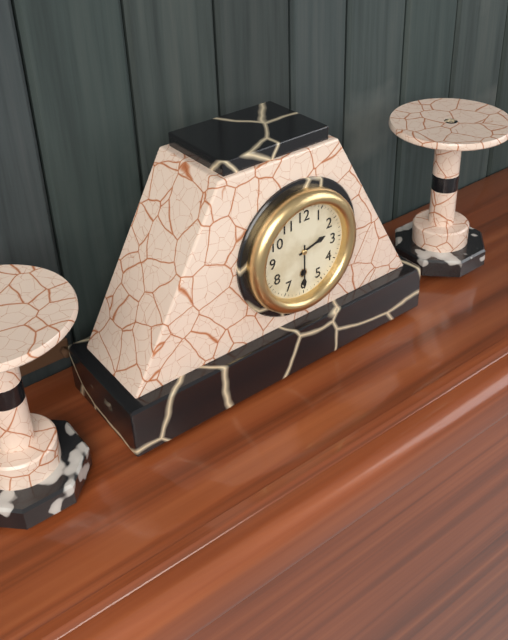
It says 2:30
